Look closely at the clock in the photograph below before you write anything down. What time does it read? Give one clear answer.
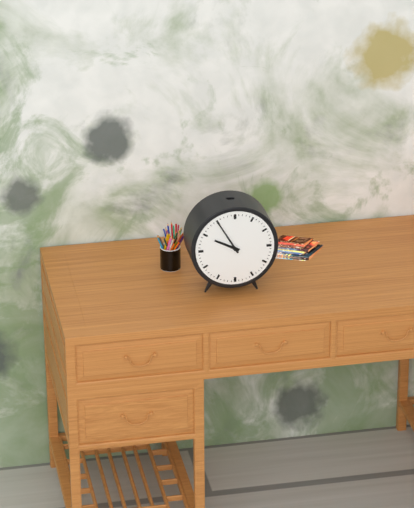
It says 9:55
